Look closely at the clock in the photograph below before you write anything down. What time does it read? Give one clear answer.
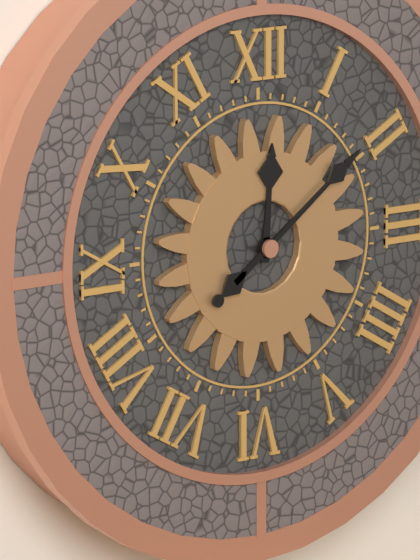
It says 12:09
